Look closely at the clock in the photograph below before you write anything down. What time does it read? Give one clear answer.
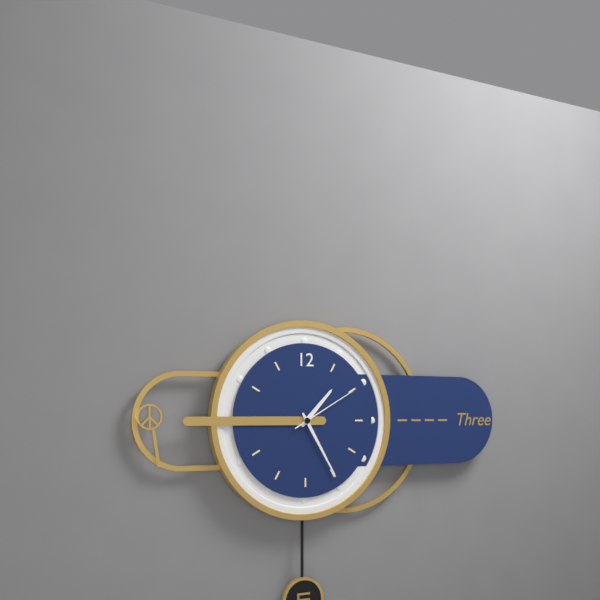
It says 1:25:10
